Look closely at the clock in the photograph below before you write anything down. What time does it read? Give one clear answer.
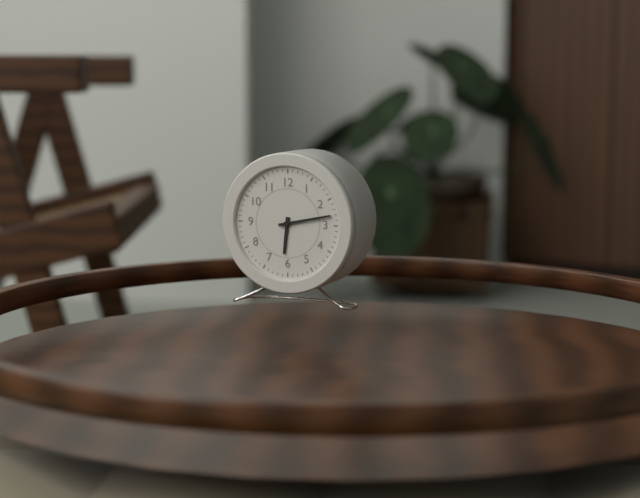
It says 6:13
